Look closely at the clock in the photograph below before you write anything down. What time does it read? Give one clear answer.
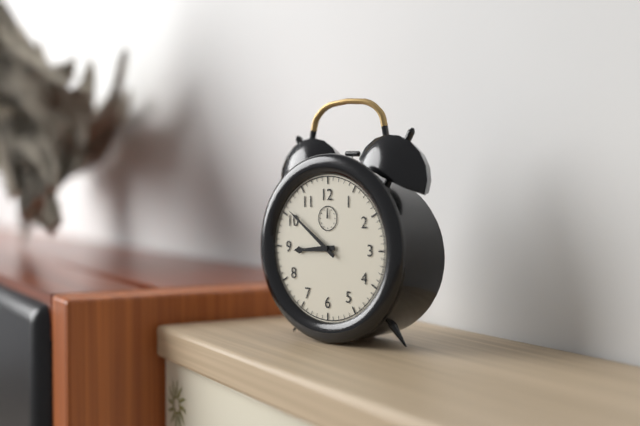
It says 8:51
